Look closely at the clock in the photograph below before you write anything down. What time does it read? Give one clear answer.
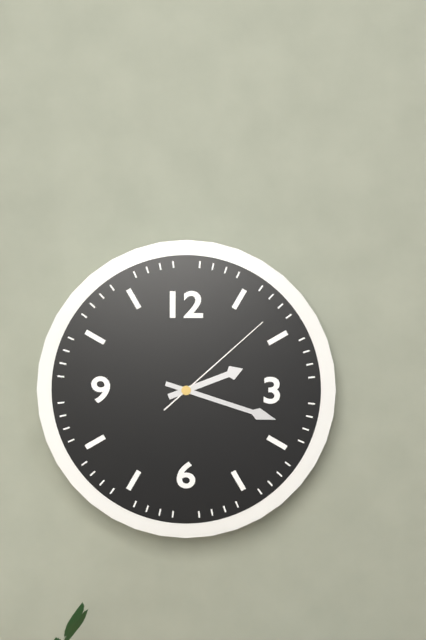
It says 2:18:08
